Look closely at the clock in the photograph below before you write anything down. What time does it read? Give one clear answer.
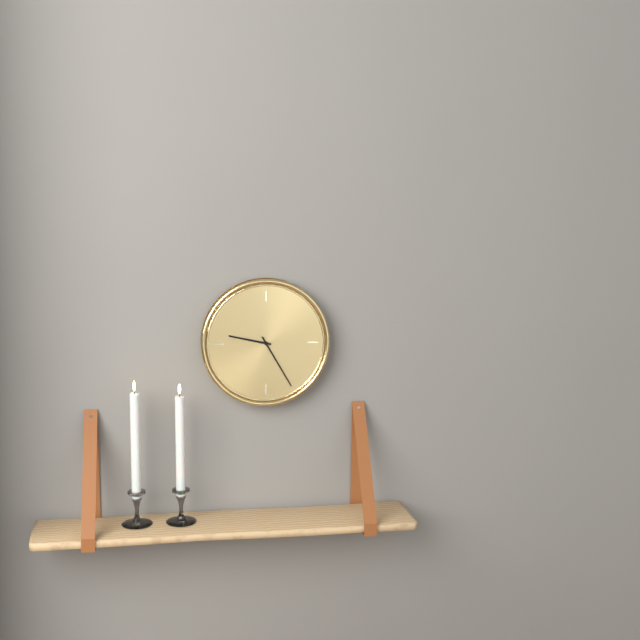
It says 9:25
